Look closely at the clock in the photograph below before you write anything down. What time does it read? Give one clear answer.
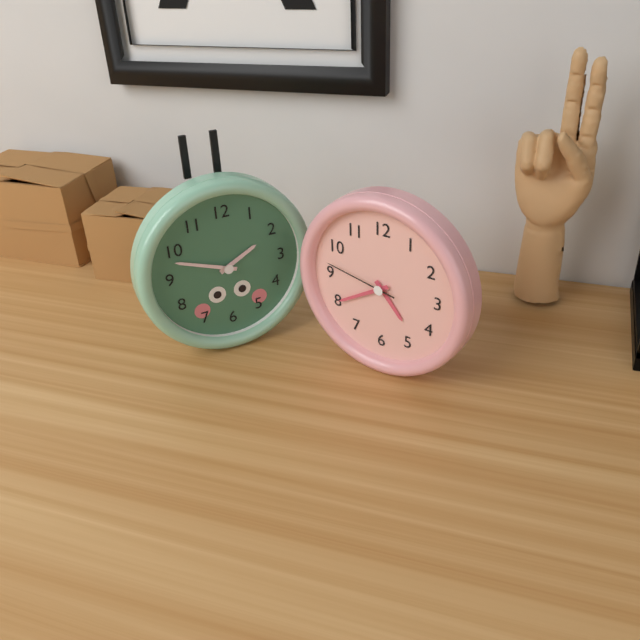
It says 4:40:47
